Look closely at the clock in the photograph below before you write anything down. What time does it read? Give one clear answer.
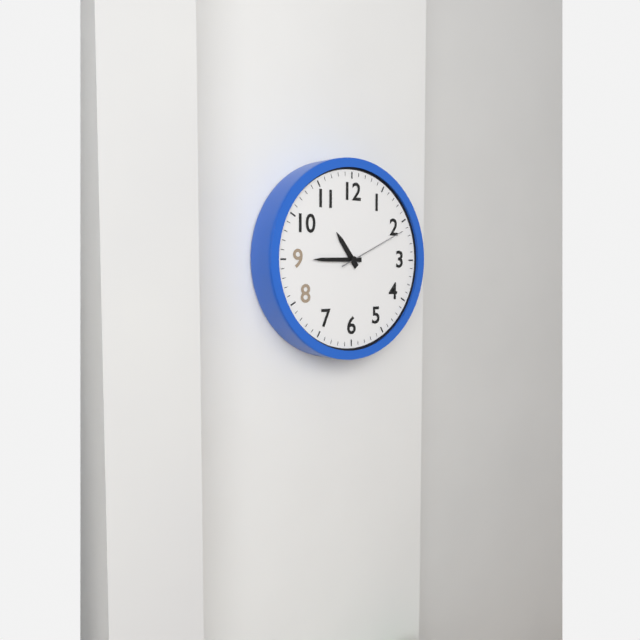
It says 10:45:11
